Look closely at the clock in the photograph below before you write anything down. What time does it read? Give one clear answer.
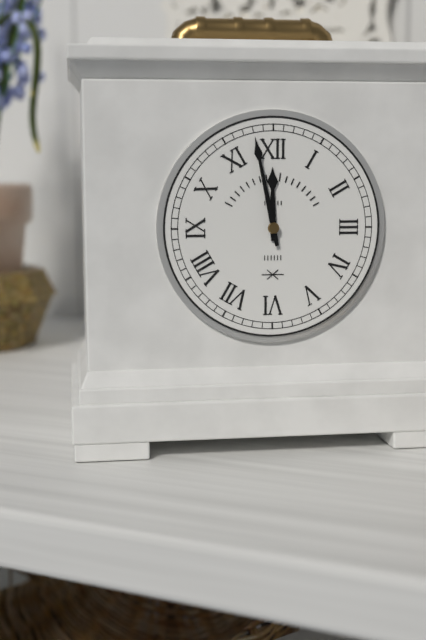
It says 11:58
